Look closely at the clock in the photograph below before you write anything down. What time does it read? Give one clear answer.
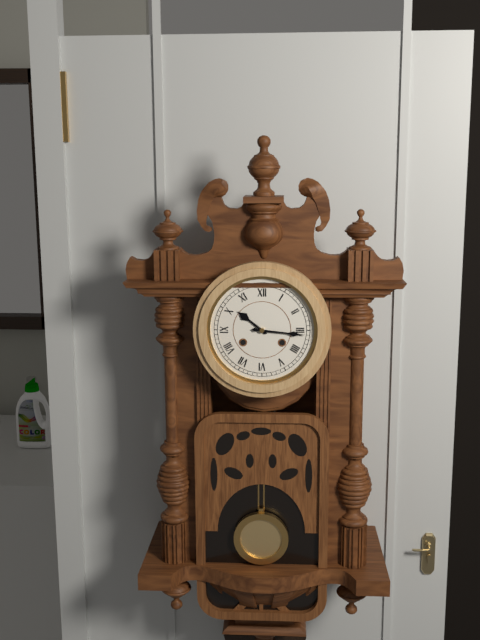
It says 10:16
